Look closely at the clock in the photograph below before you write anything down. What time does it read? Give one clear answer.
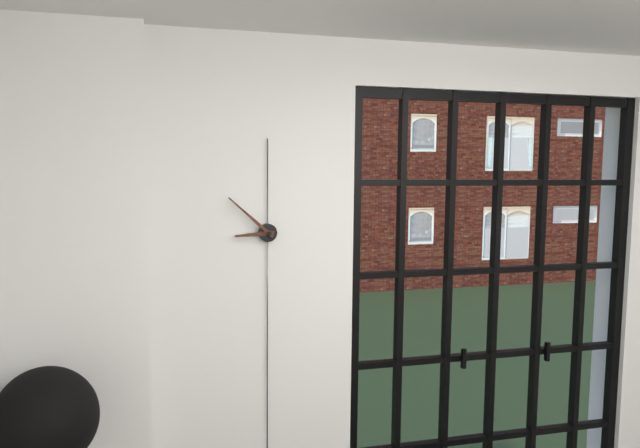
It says 8:52
